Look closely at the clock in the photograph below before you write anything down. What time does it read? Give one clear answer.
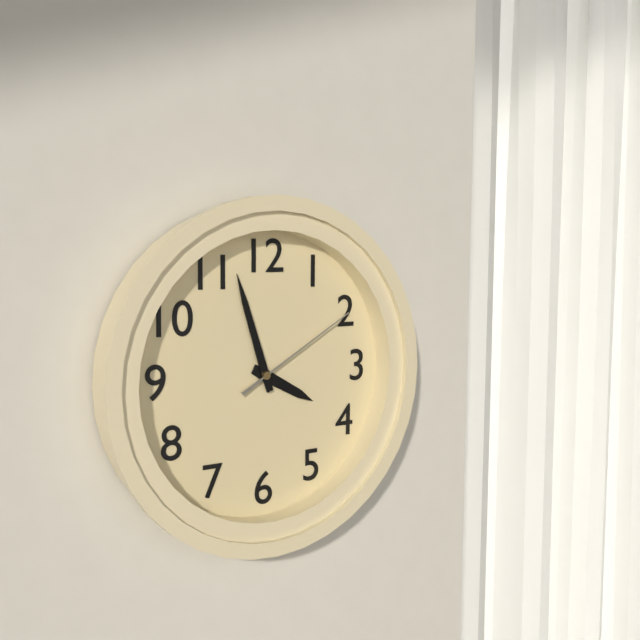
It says 3:57:10
